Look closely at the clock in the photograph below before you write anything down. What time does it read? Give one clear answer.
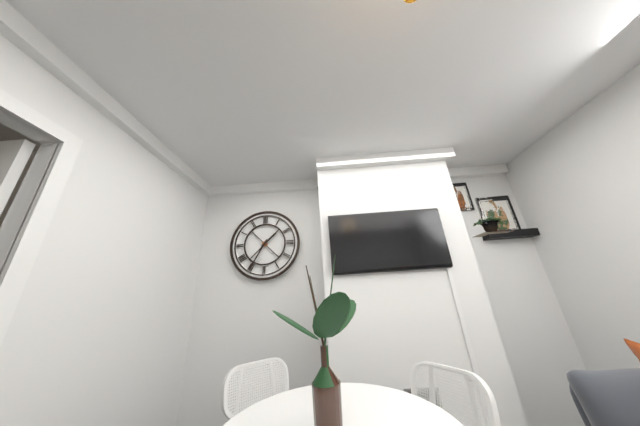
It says 1:35
